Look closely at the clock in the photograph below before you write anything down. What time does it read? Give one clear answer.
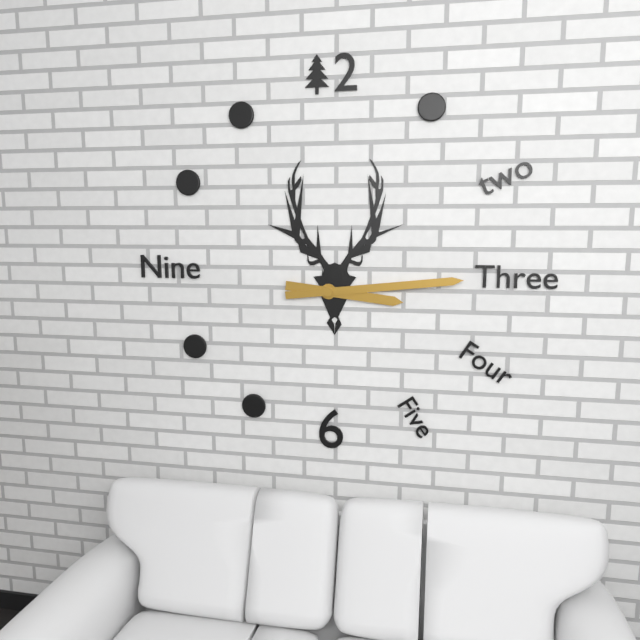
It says 3:14
